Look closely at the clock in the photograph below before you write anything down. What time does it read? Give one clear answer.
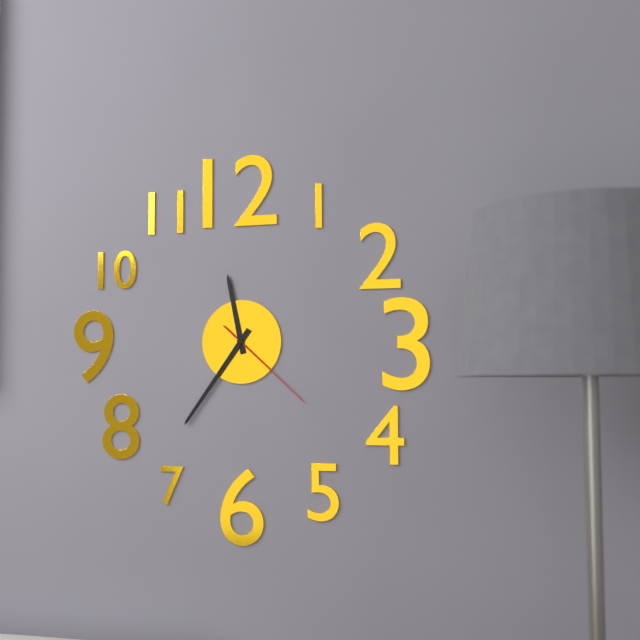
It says 11:36:22
